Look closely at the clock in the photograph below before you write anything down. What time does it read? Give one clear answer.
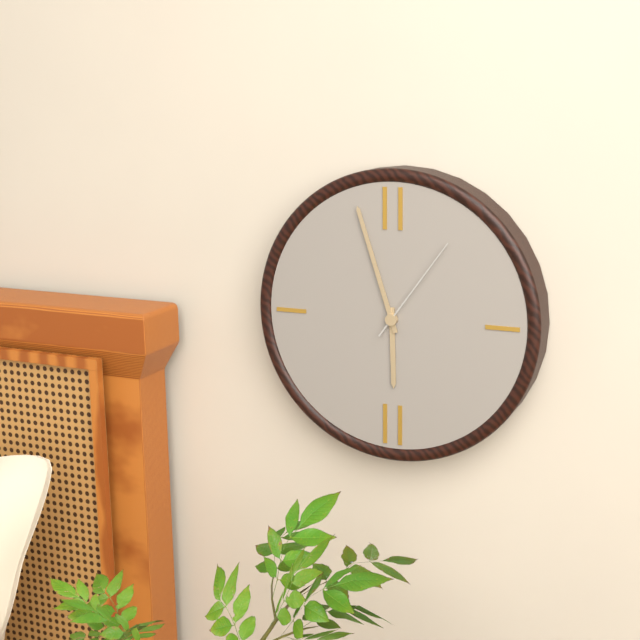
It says 5:57:06
